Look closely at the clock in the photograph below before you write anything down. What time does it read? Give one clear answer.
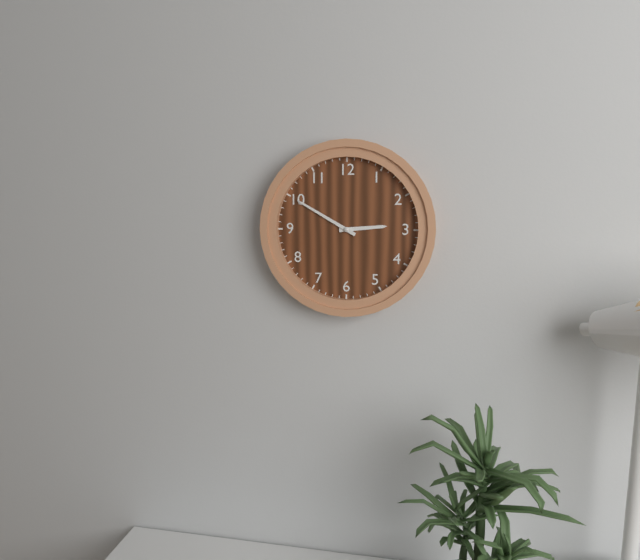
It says 2:50
